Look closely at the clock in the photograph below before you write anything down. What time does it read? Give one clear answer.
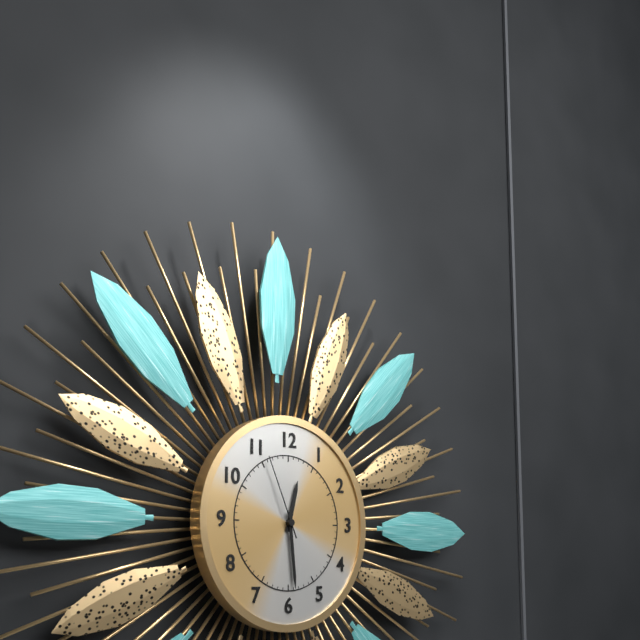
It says 12:29:56
